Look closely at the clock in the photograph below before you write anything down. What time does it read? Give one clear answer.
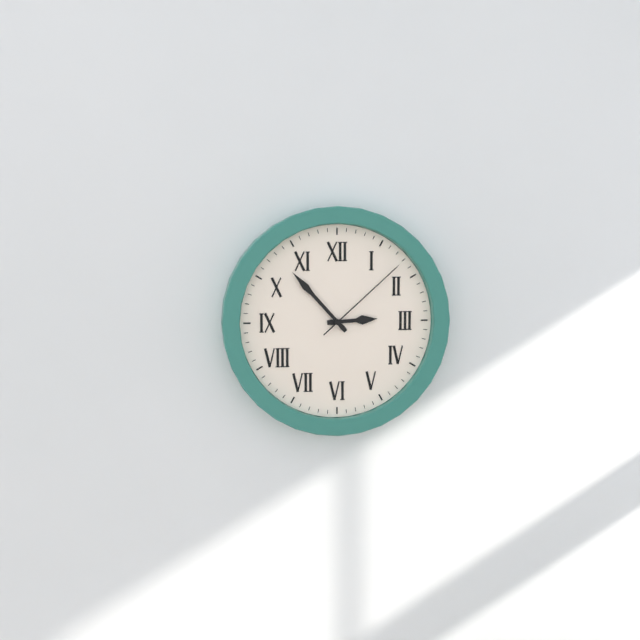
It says 2:53:08
